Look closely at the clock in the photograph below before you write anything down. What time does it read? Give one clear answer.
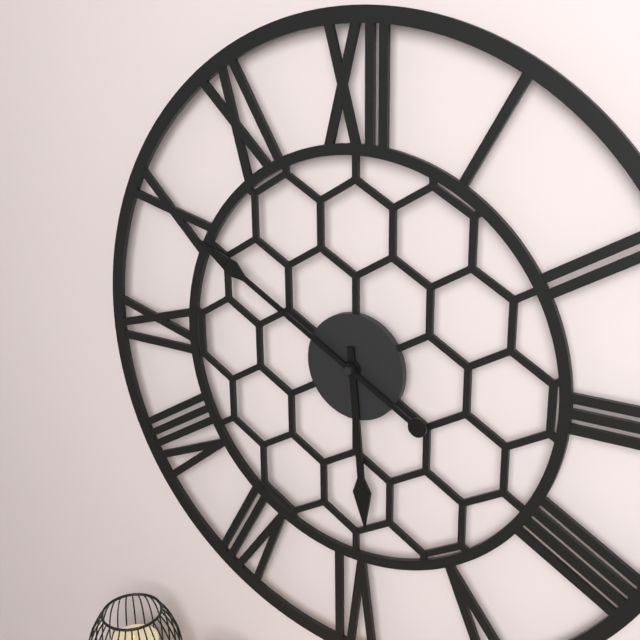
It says 5:50
